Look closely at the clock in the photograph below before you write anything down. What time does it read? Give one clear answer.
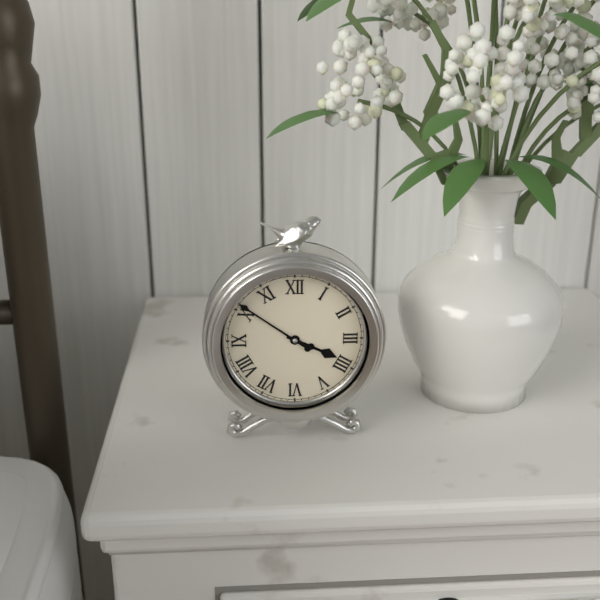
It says 3:51
